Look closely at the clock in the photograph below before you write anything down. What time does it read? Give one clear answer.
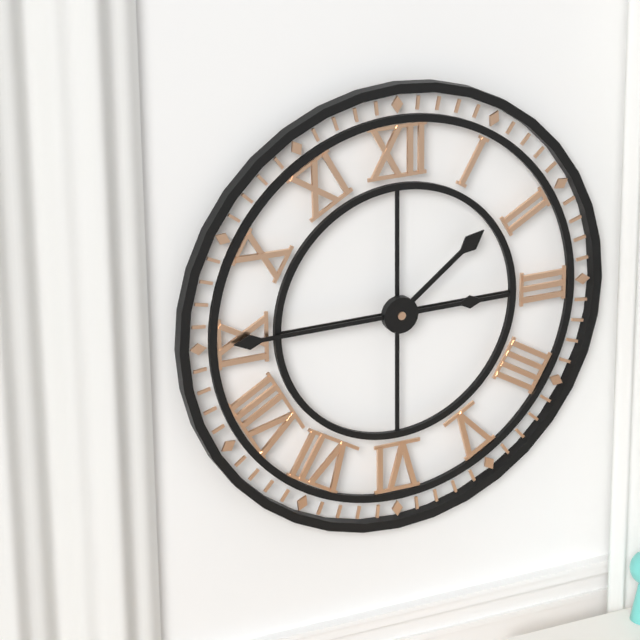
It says 1:45
